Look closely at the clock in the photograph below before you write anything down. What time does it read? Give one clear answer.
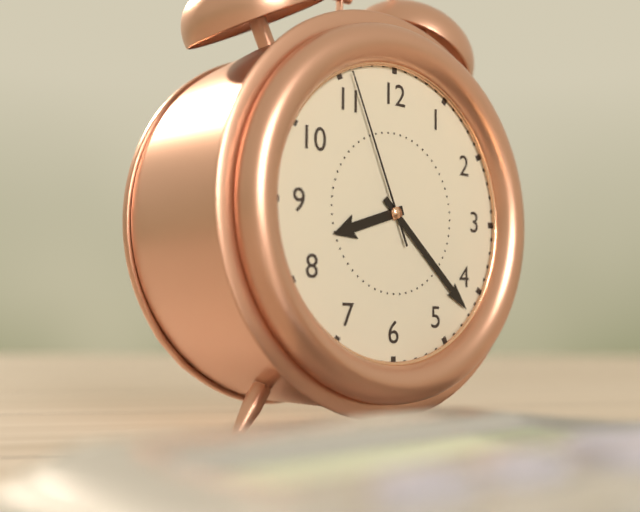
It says 8:22:56
